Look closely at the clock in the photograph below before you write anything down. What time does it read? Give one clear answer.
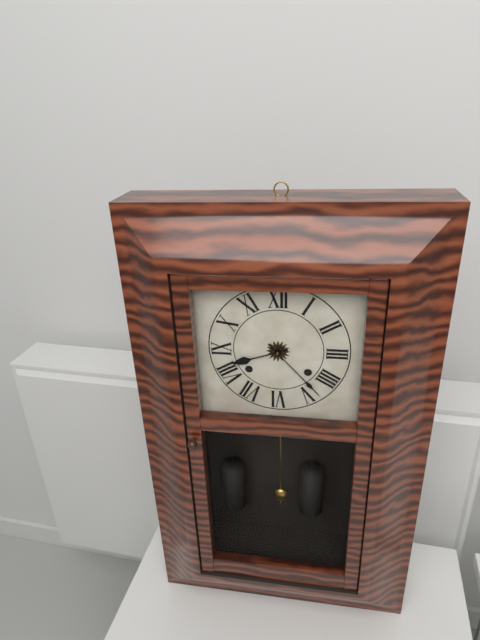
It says 8:23
